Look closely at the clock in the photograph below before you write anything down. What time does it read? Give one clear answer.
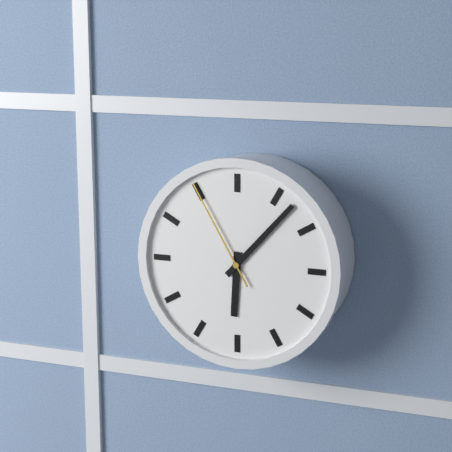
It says 6:07:55
